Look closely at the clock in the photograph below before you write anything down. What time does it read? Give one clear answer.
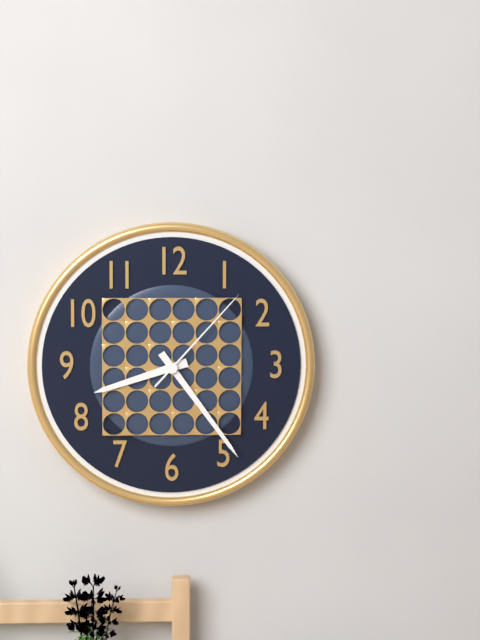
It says 8:24:07
